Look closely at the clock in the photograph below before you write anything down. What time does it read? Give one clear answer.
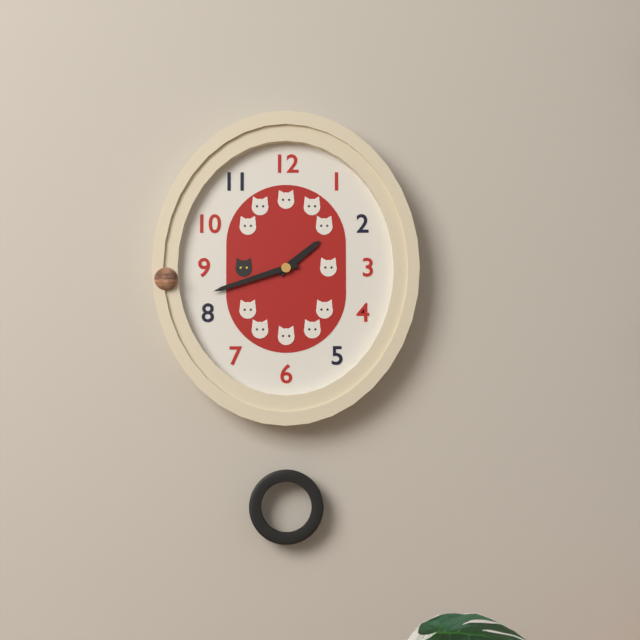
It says 1:42
